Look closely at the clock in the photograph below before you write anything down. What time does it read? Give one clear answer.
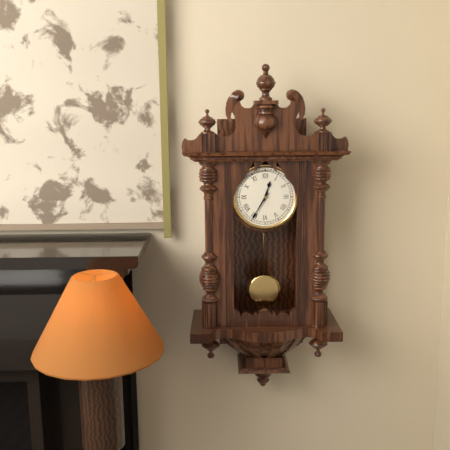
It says 12:35
